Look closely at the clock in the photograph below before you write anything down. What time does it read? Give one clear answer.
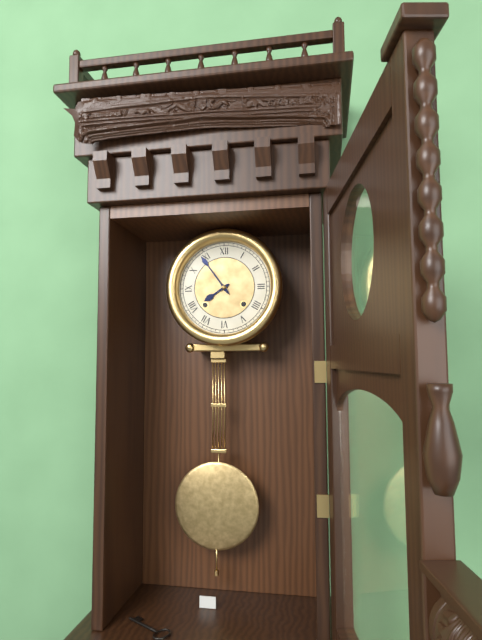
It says 7:54
